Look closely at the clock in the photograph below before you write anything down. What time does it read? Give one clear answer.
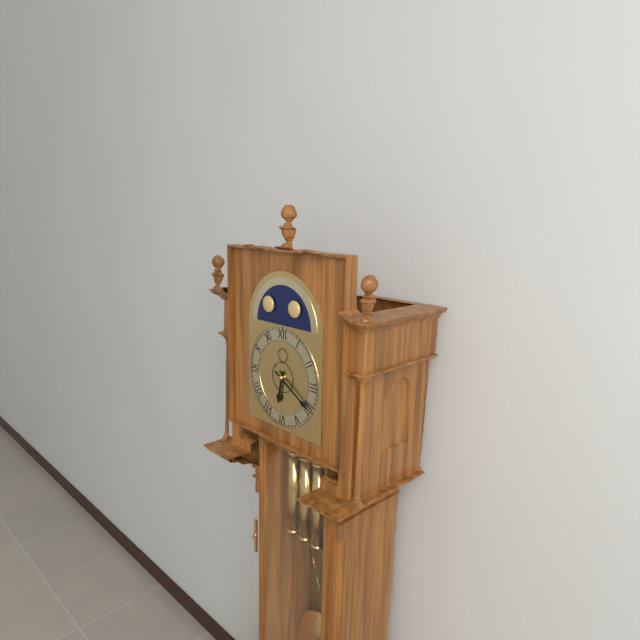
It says 6:20
